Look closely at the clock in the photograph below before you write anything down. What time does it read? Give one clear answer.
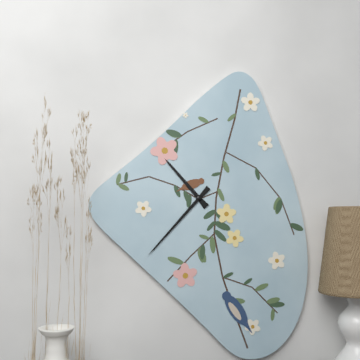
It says 10:37
